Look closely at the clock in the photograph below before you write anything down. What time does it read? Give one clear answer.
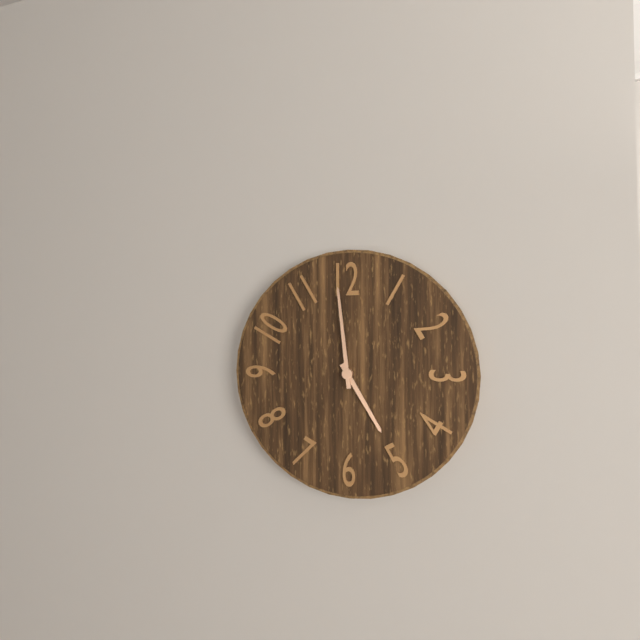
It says 4:59
